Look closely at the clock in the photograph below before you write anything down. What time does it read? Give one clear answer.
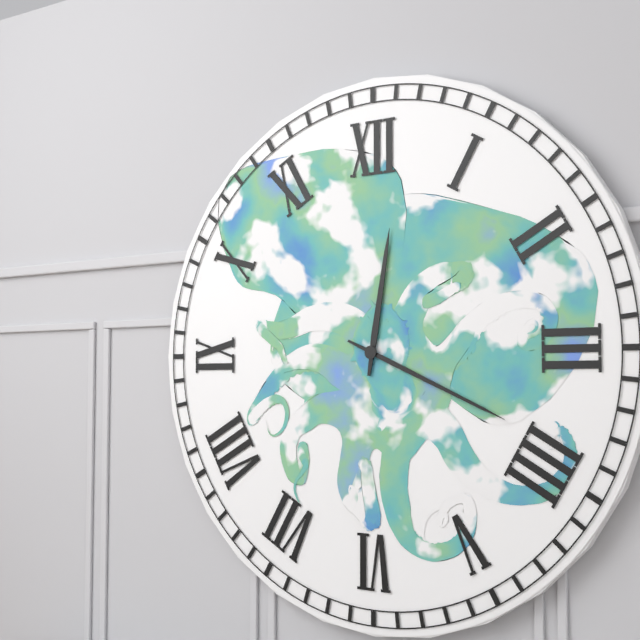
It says 12:19
